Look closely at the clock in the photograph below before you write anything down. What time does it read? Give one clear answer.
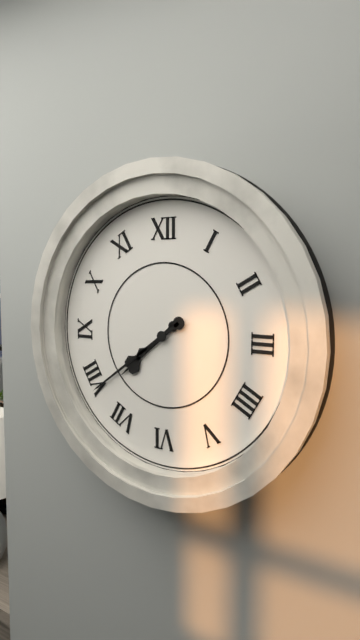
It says 7:39
